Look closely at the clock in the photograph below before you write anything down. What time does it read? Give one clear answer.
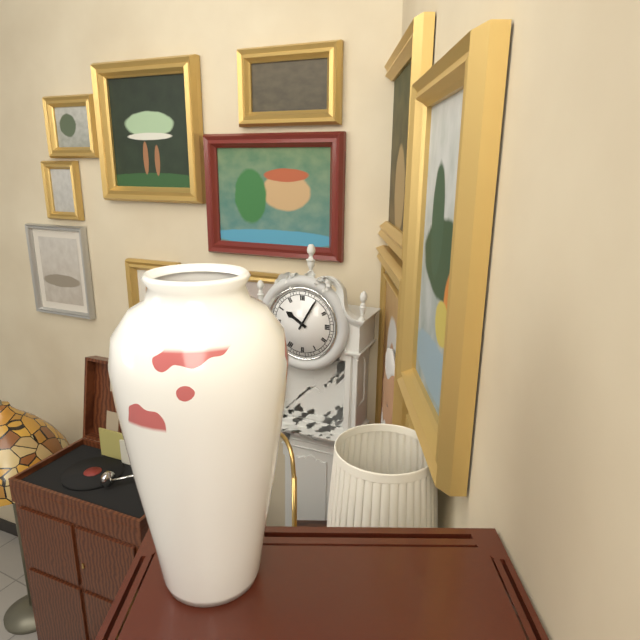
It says 10:05
